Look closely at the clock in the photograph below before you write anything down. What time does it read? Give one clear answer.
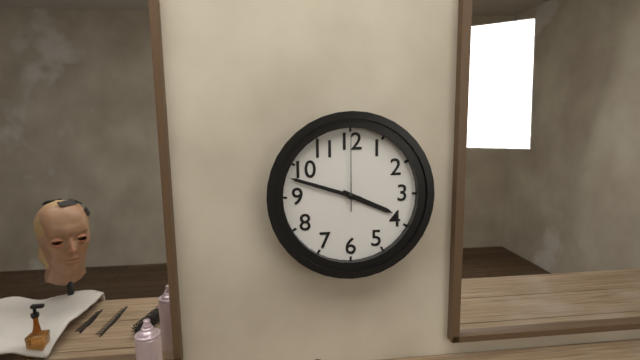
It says 3:48:00
